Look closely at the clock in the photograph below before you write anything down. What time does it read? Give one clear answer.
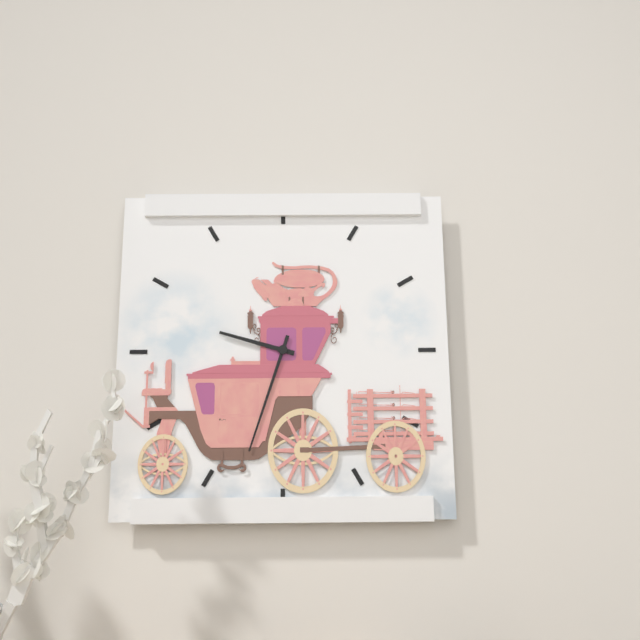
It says 9:33
